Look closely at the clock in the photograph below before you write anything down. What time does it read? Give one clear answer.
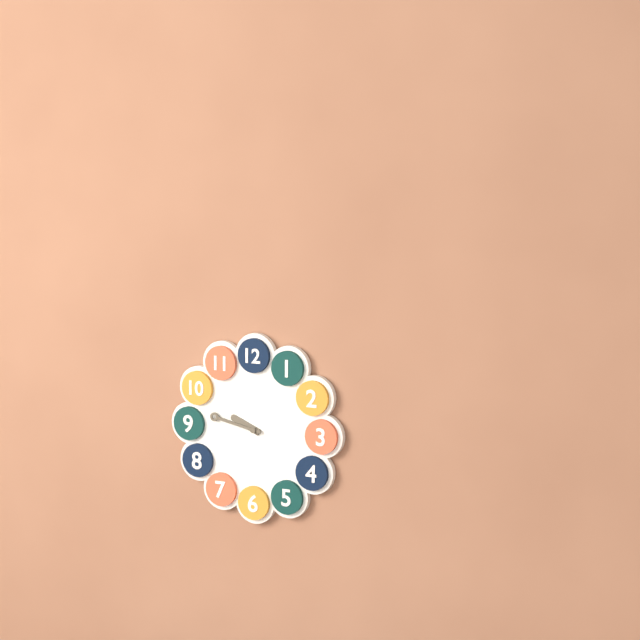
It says 9:47
